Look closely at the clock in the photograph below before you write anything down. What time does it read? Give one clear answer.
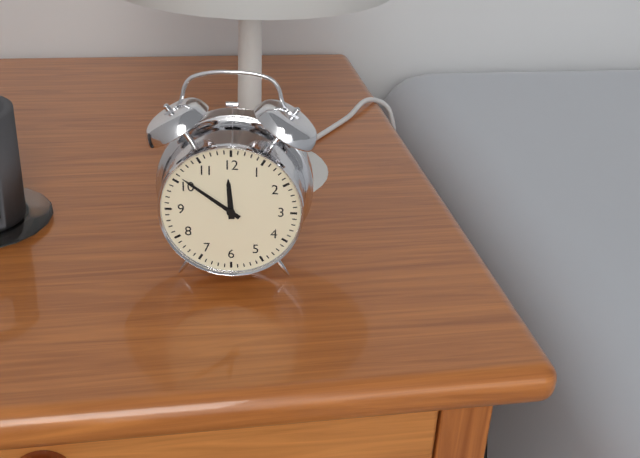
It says 11:51
